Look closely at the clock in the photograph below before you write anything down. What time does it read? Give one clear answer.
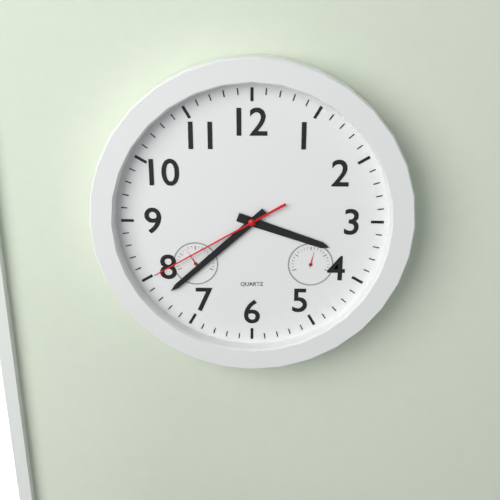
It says 3:38:40
